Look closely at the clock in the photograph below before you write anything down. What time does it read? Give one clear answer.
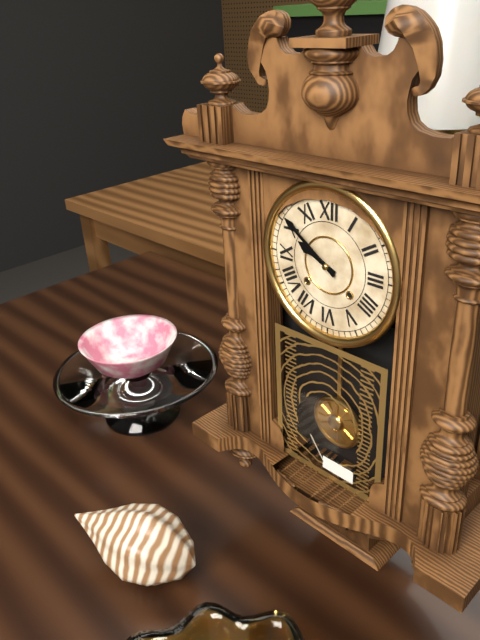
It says 9:51
